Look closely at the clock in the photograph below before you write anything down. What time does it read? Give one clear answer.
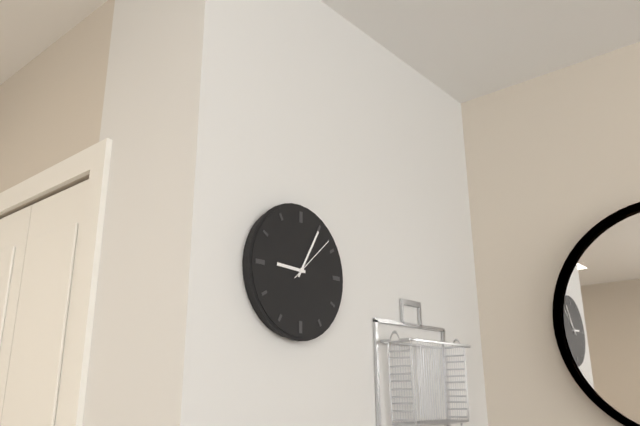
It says 9:05
